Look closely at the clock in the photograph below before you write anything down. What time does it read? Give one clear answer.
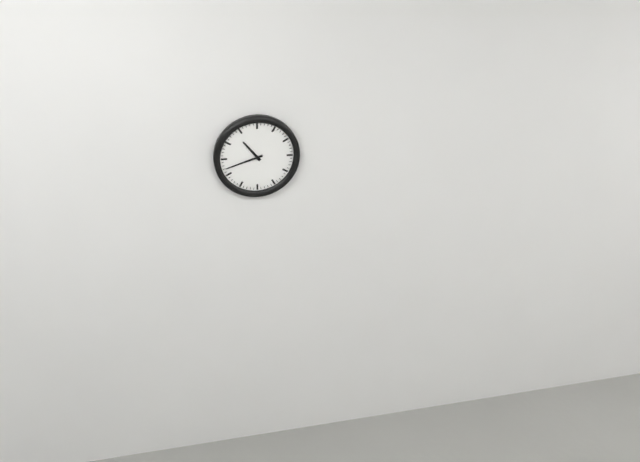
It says 10:42
